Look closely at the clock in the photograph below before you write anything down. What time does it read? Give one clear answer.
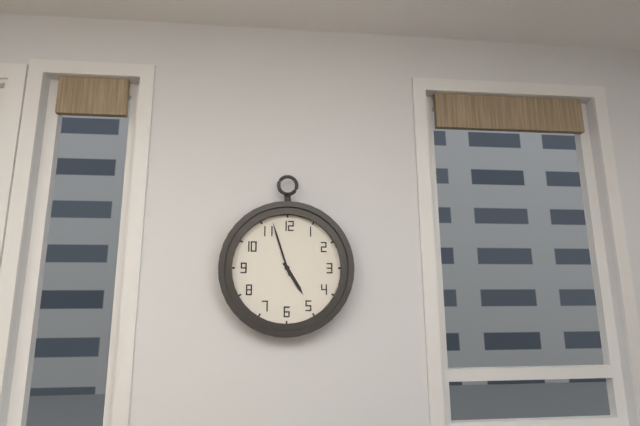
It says 4:57
